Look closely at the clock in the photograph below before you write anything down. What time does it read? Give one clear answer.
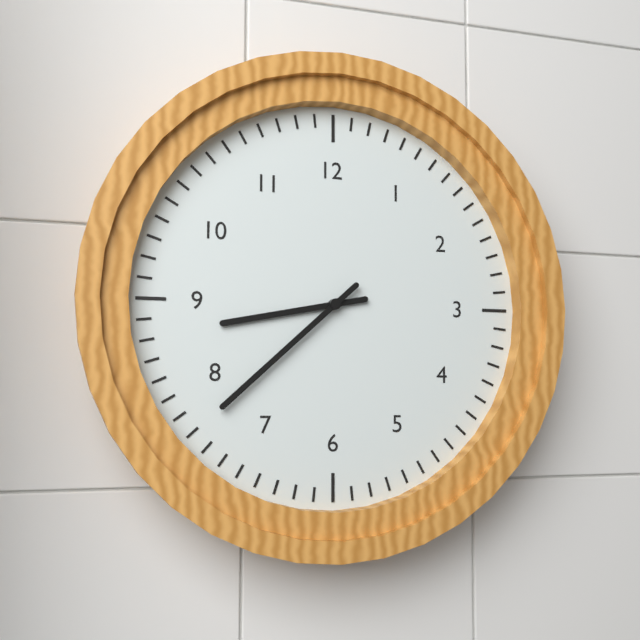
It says 8:38
